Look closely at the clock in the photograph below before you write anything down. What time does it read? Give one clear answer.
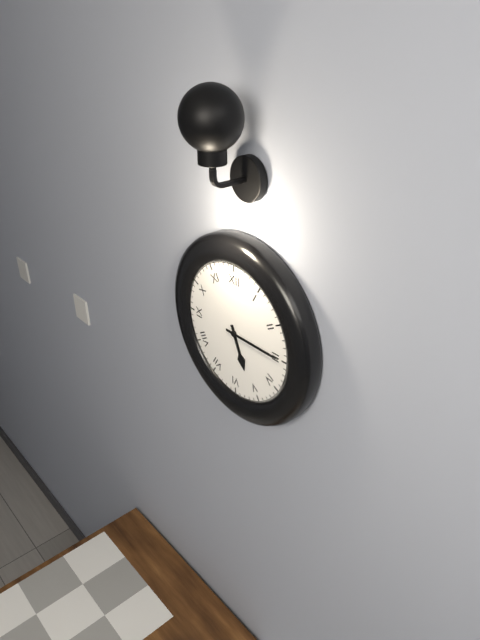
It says 5:15
